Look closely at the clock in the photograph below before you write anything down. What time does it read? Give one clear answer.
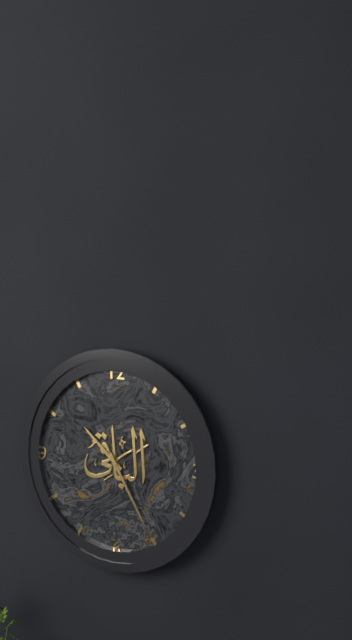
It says 10:25
